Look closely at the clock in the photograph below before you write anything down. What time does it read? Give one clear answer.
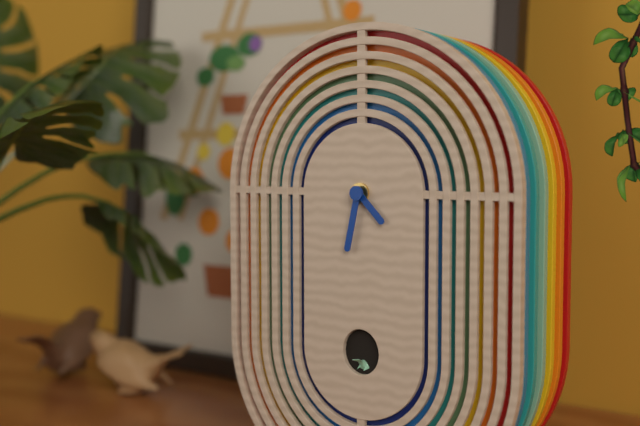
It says 4:32
